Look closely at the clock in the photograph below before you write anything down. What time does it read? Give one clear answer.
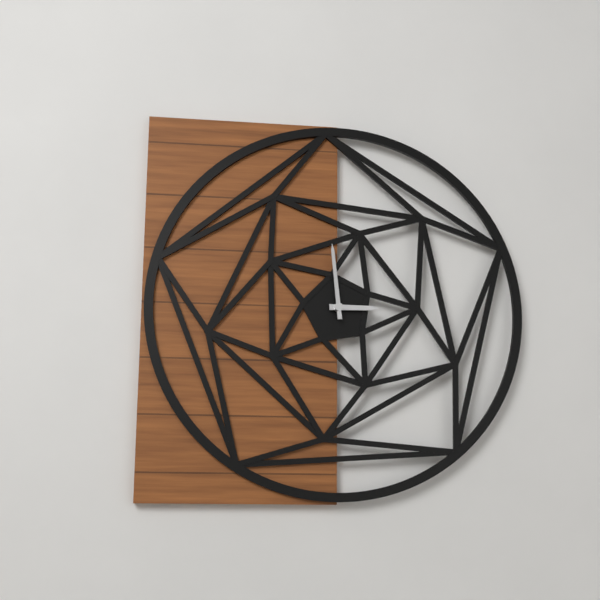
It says 2:59
